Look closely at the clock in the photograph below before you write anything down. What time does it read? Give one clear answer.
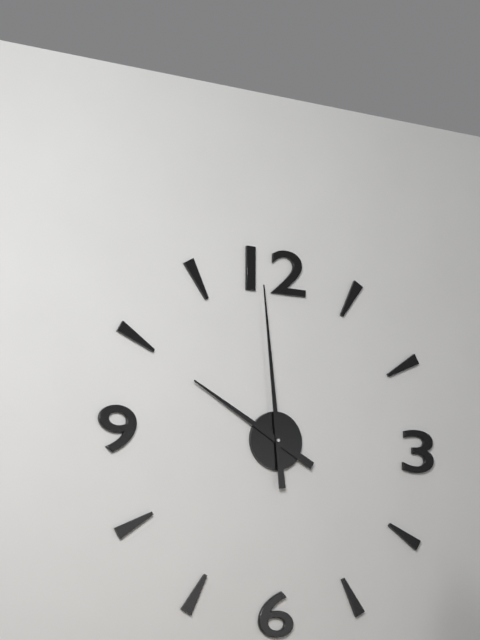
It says 9:59
